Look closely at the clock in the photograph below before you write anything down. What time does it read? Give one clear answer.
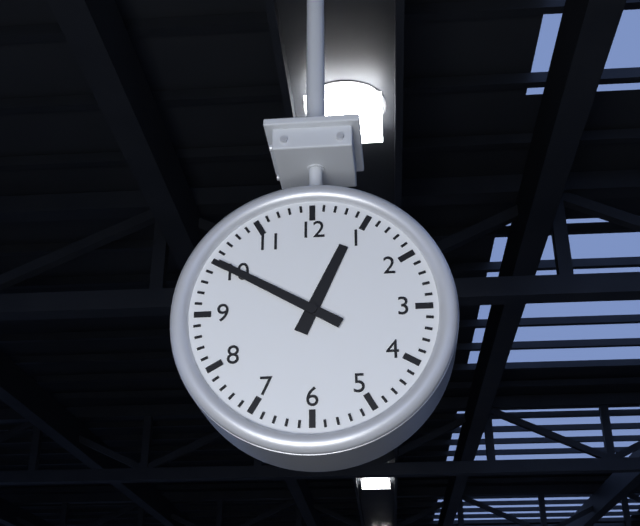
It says 12:50
